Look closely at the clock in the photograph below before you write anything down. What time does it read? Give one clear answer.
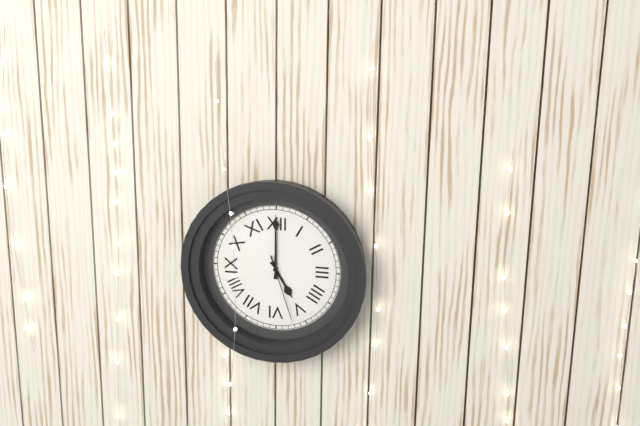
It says 5:00:27
